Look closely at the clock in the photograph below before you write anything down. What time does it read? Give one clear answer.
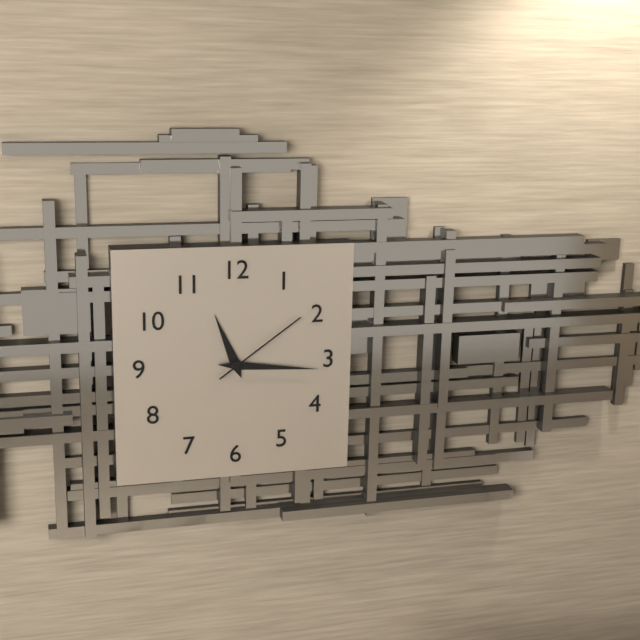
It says 11:16:09
